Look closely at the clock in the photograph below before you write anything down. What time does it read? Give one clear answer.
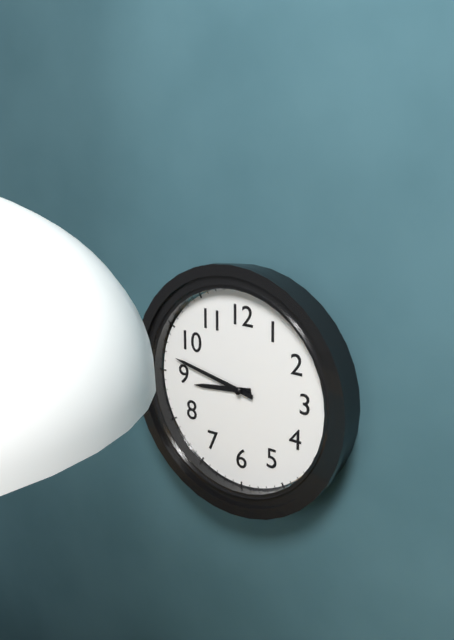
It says 8:47
